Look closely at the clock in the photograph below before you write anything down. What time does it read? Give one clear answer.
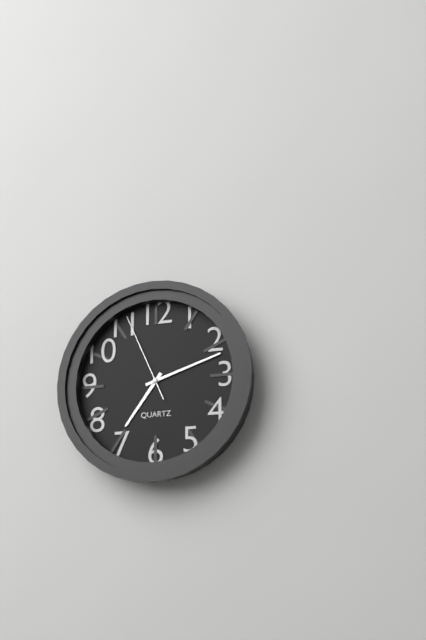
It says 7:12:56
